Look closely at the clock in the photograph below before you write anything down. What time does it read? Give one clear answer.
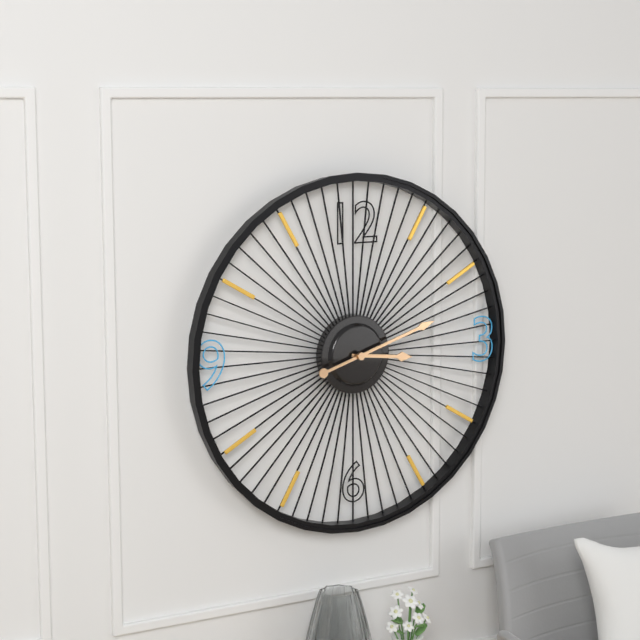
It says 3:12
